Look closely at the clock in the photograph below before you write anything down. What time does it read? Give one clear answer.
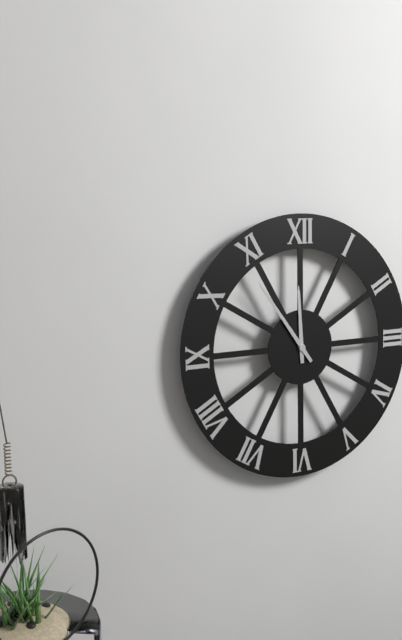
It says 11:54
